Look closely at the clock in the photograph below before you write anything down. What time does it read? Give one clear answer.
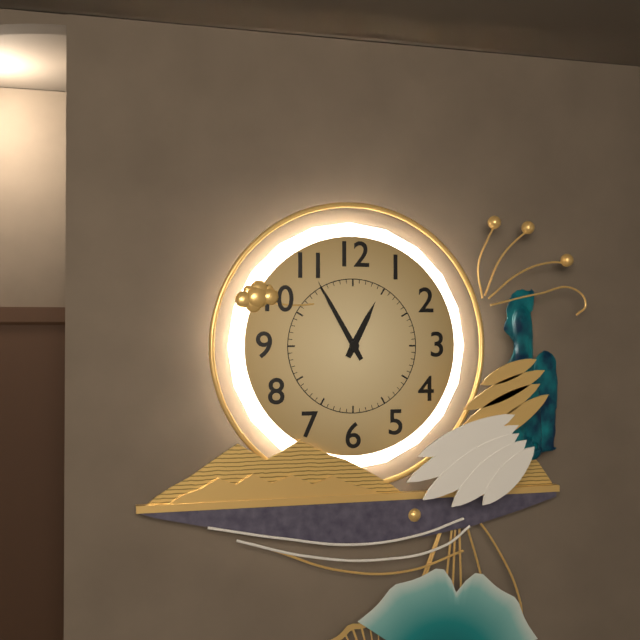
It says 12:55
